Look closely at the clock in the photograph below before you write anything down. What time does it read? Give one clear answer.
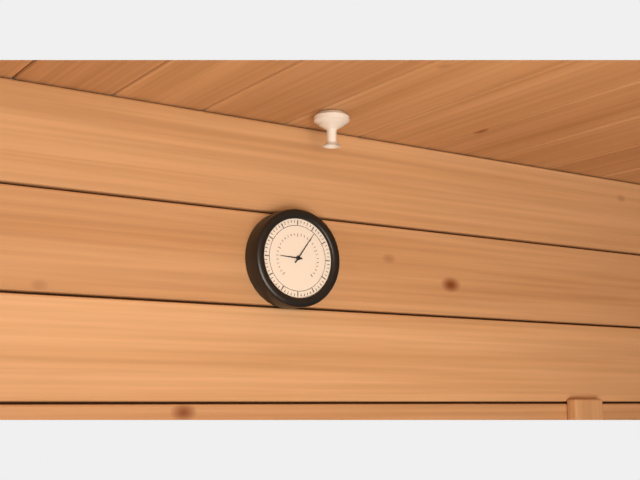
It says 9:06
